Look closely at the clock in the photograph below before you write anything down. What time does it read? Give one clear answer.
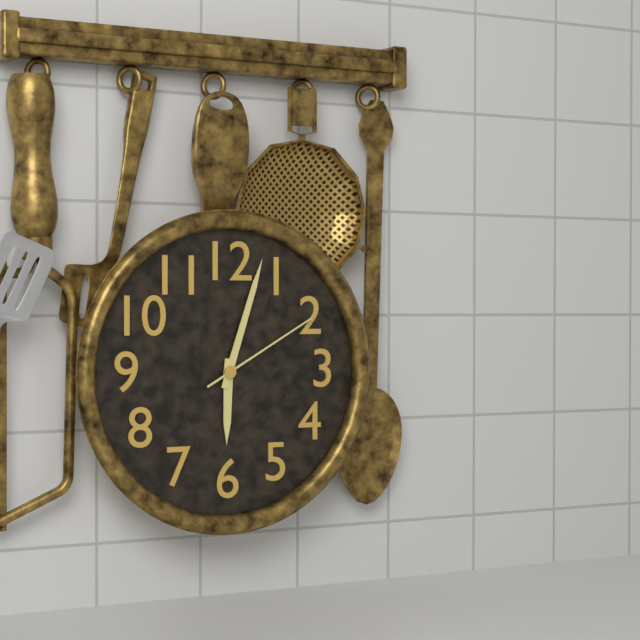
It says 6:03:10
